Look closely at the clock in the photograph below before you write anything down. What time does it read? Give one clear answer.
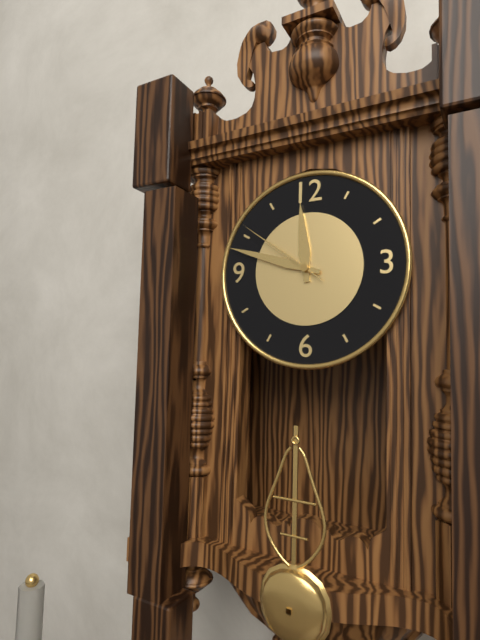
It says 11:48:51
